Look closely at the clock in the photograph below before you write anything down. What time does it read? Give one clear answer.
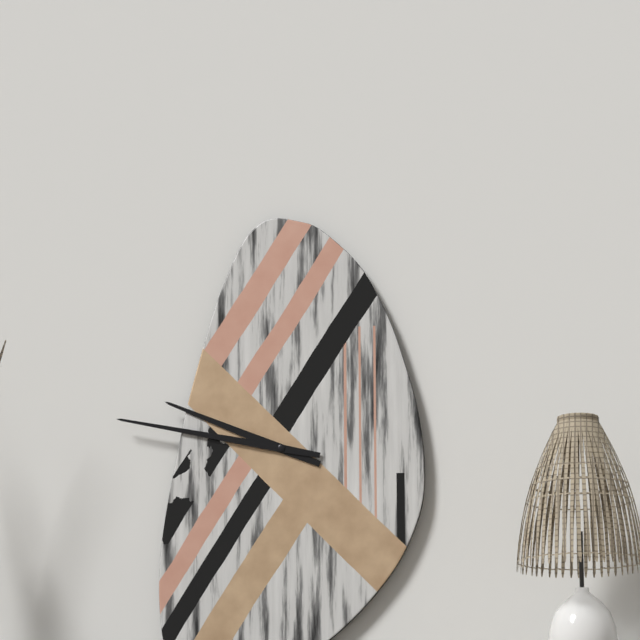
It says 9:47
